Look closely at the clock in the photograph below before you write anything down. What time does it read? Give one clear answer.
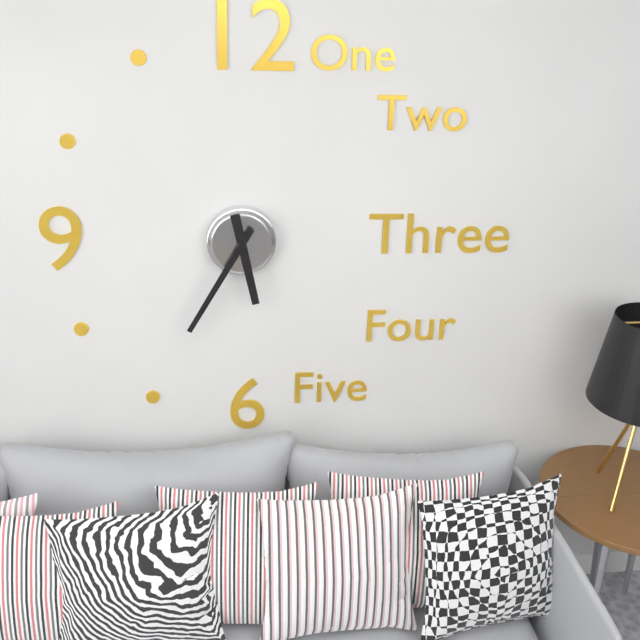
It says 5:35
